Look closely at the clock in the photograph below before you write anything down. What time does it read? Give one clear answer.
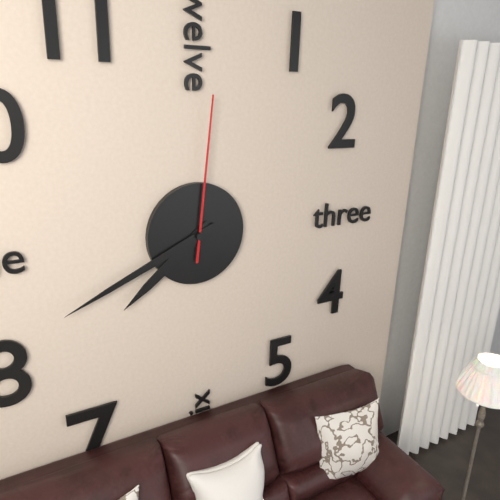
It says 7:41:01
